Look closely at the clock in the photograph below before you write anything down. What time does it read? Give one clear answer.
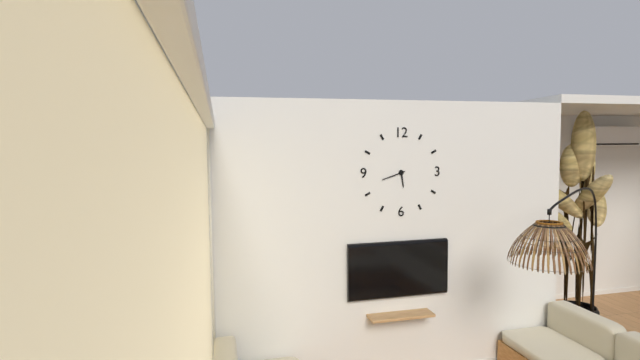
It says 5:42
